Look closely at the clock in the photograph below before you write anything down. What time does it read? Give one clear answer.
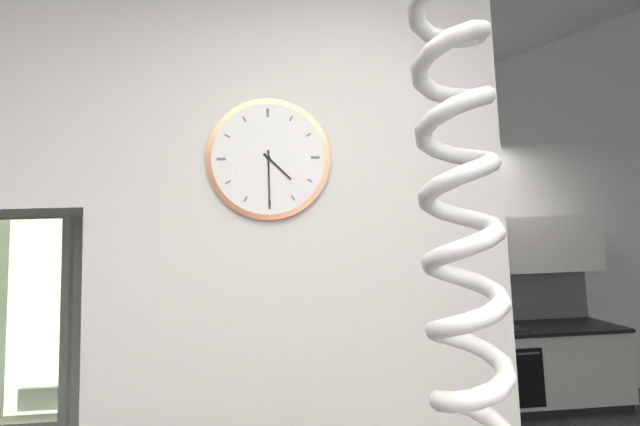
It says 4:30
